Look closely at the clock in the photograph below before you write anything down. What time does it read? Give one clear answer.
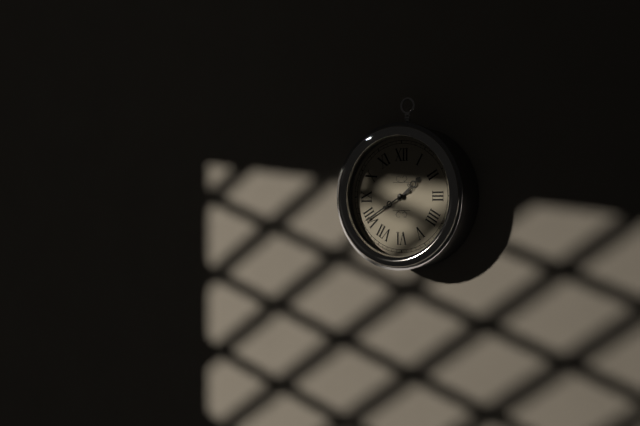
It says 1:40
